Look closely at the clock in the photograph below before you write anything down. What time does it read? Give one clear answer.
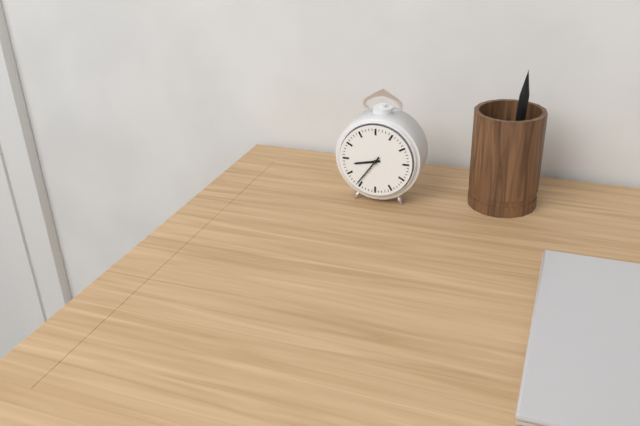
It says 8:36
